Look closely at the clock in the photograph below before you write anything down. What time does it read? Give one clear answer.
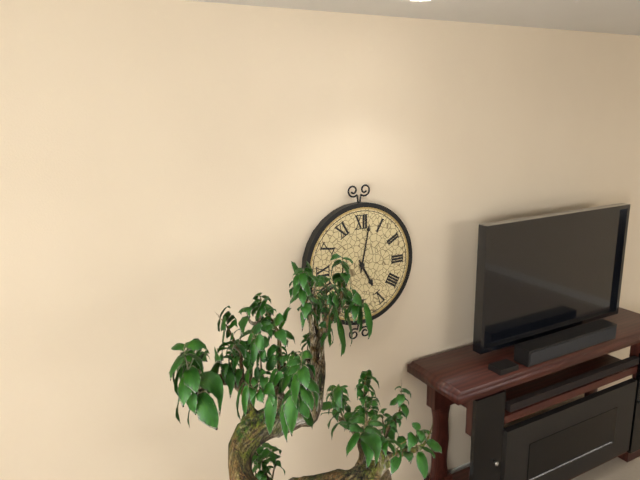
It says 5:02
